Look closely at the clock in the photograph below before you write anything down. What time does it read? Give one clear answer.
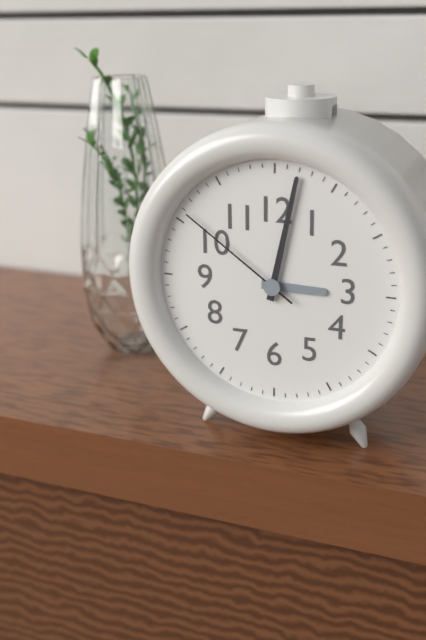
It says 3:02:51
